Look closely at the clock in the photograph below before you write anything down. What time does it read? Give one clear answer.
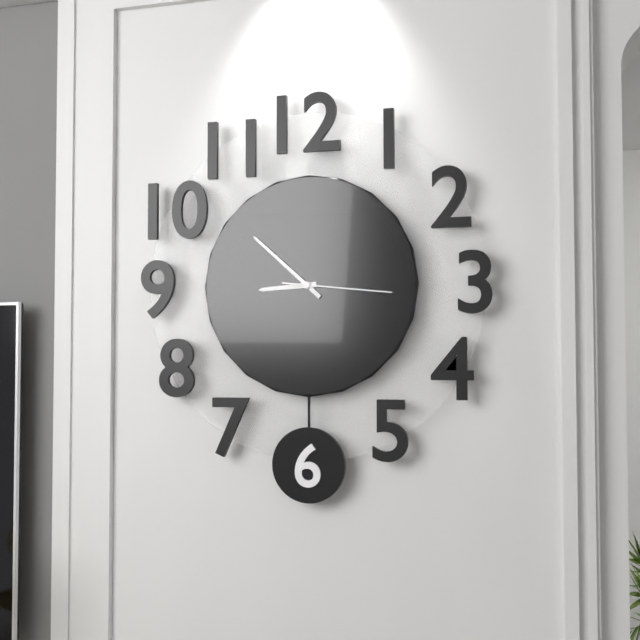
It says 8:52:16
